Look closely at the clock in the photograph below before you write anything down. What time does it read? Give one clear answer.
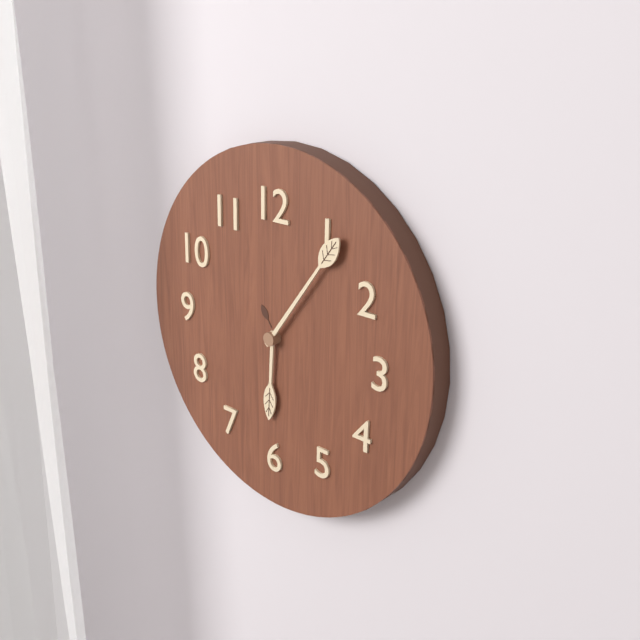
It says 6:06
